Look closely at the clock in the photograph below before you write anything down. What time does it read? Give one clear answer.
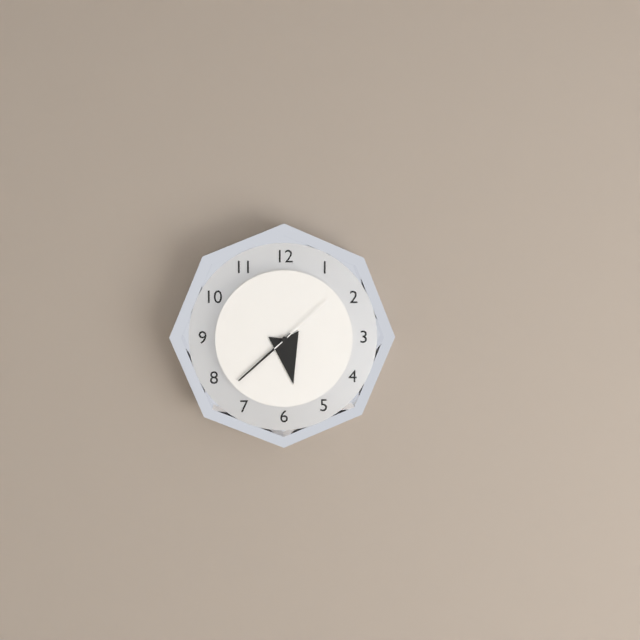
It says 5:38:08
